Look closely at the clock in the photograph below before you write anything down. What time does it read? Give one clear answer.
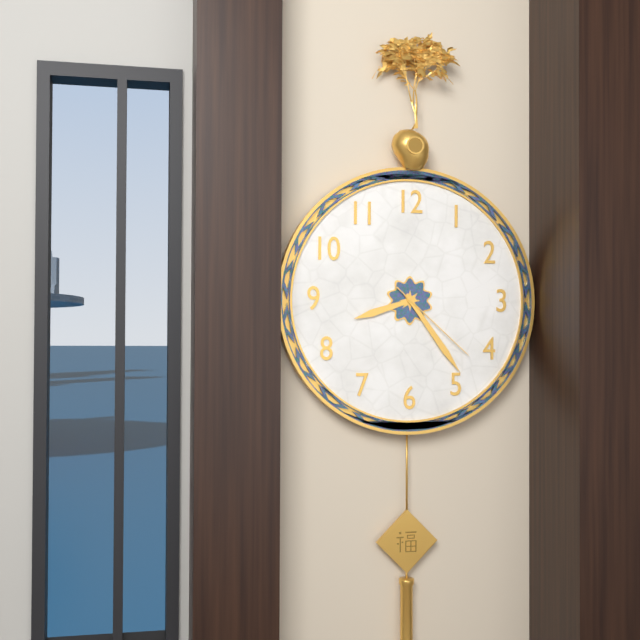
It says 8:24:22
